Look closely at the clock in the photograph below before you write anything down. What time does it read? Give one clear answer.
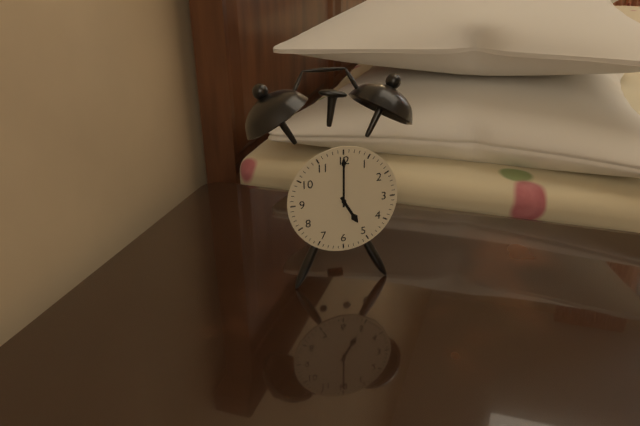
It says 5:00
